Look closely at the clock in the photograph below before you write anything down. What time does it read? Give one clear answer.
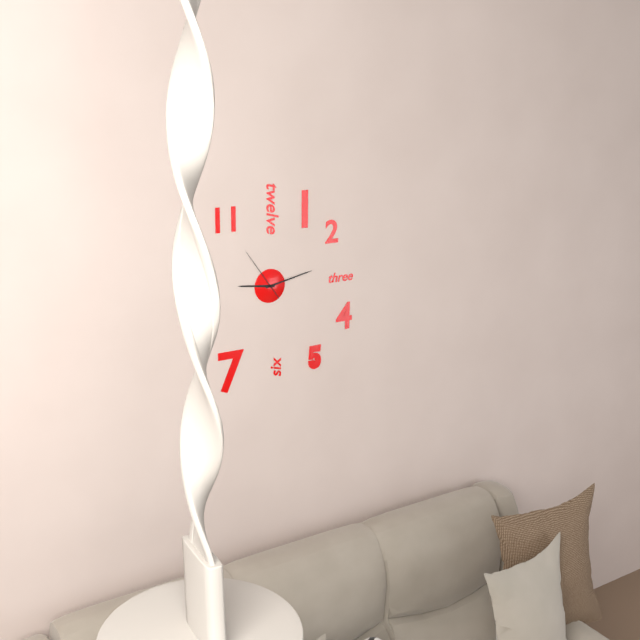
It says 9:13:54
